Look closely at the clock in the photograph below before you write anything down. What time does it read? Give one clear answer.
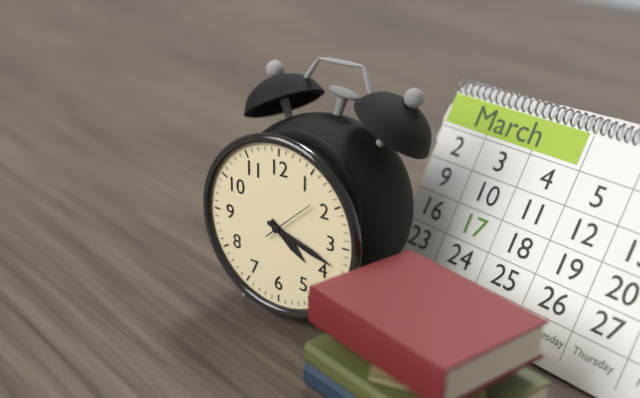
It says 4:18:08
